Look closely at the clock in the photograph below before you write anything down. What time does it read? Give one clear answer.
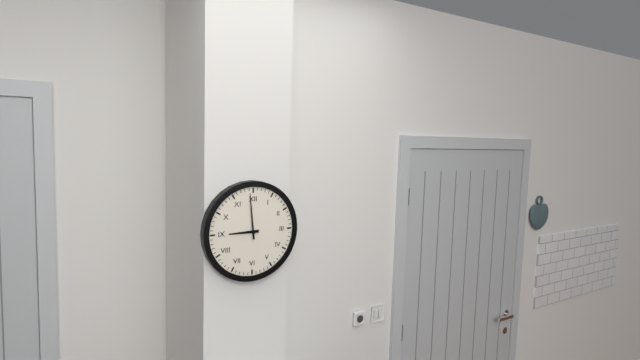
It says 8:59
